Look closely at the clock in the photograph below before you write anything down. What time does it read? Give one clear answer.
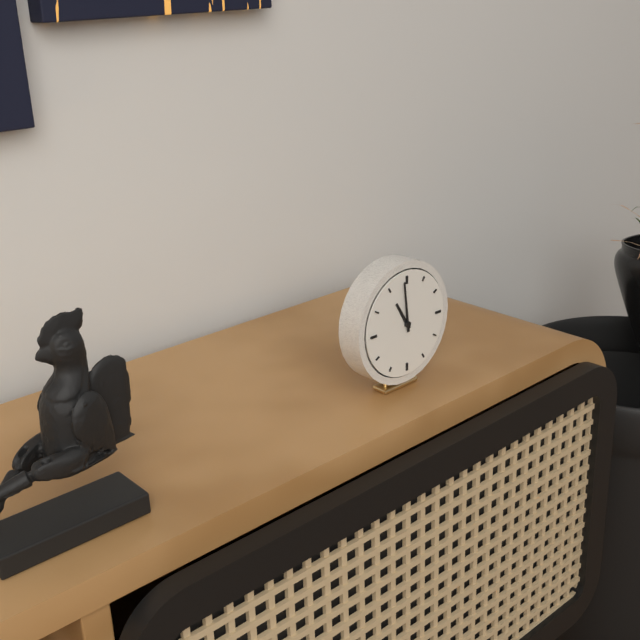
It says 10:59
